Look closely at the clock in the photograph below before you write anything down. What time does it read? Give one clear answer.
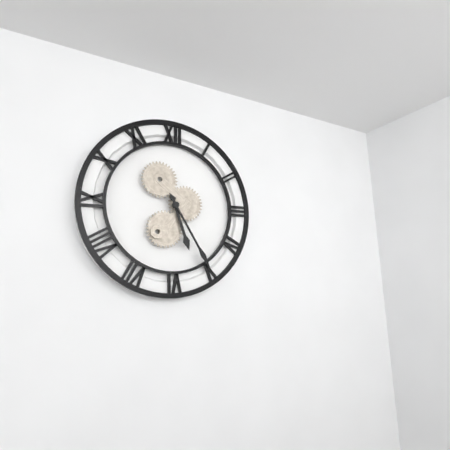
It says 5:25
